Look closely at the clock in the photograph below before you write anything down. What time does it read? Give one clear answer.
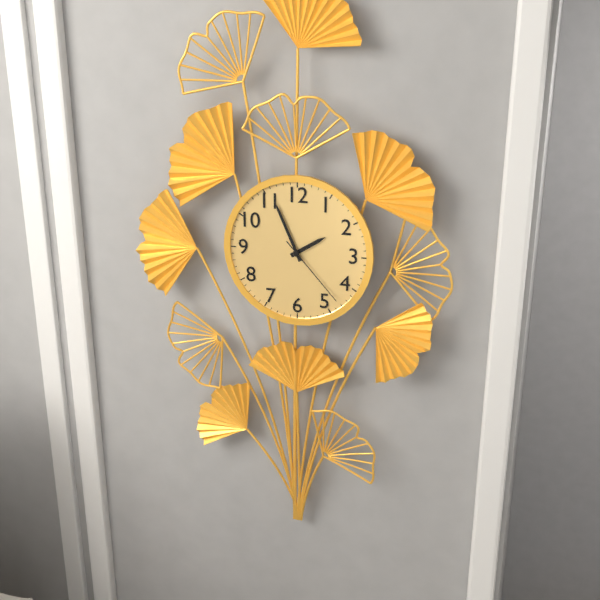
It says 1:56:23
